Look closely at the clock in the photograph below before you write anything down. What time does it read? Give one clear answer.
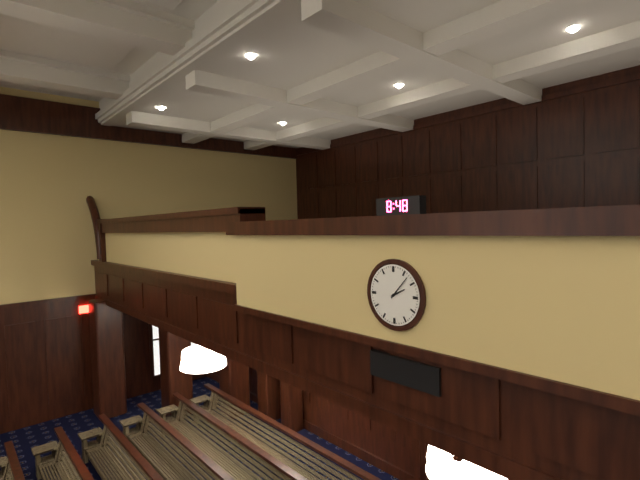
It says 2:07
